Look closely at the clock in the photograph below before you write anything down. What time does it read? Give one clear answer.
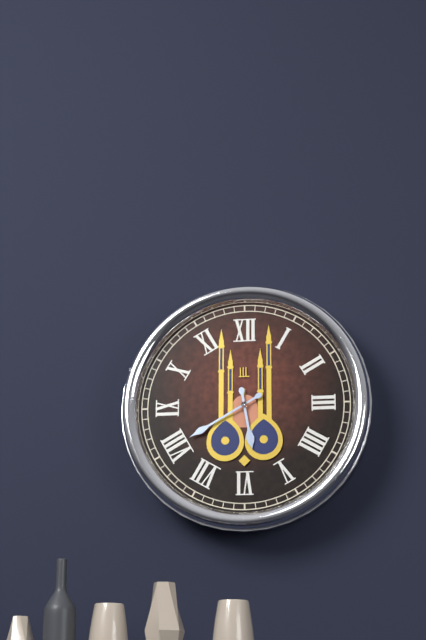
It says 5:40
